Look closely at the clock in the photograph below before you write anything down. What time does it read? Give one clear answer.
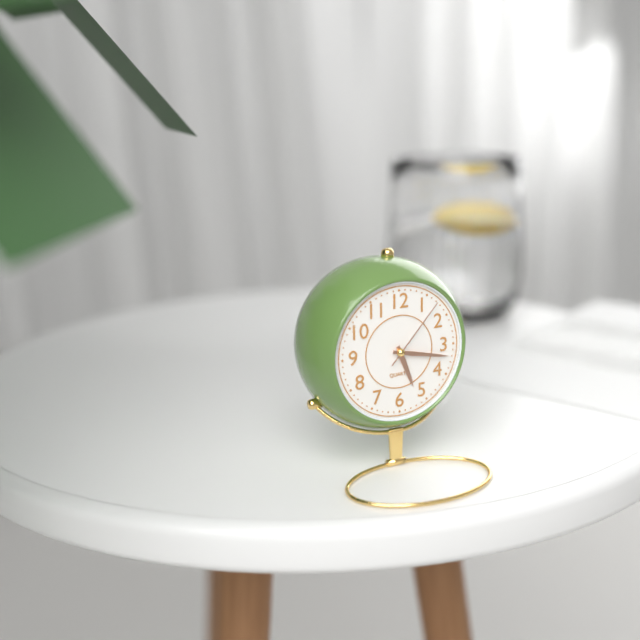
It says 5:17:07
